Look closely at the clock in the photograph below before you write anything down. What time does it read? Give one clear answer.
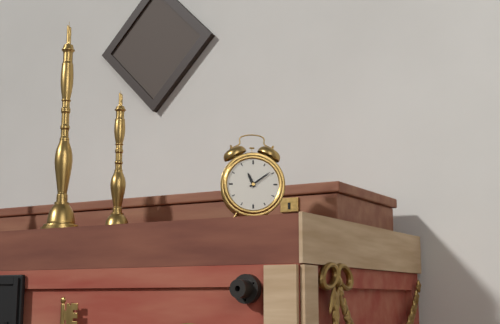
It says 11:09
